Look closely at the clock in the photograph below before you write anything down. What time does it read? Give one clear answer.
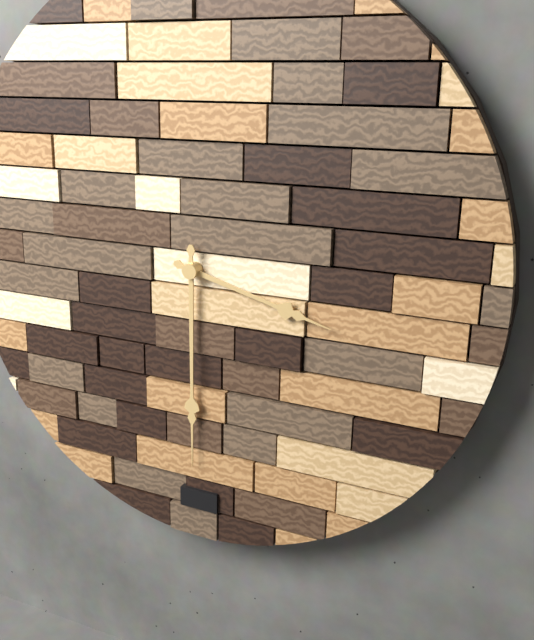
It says 3:30
